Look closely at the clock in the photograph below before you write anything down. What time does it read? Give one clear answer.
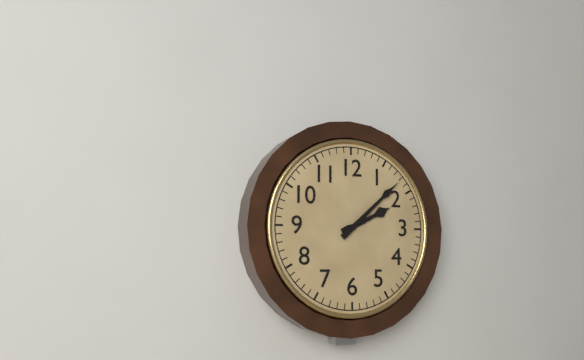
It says 2:08
